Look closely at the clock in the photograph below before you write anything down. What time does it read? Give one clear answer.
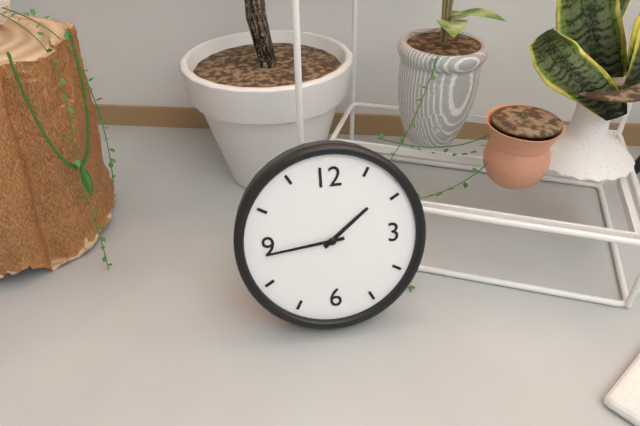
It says 1:44
